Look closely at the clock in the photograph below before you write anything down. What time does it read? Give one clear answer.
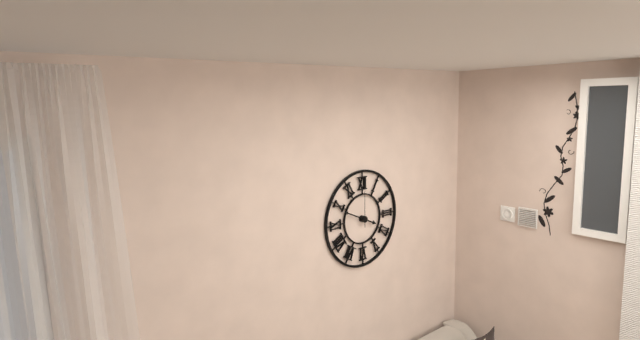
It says 3:49
